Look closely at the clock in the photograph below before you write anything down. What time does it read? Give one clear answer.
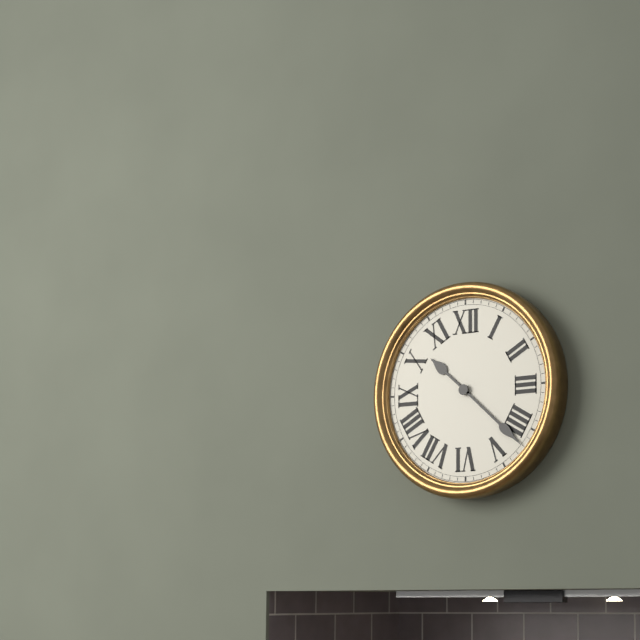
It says 10:22
